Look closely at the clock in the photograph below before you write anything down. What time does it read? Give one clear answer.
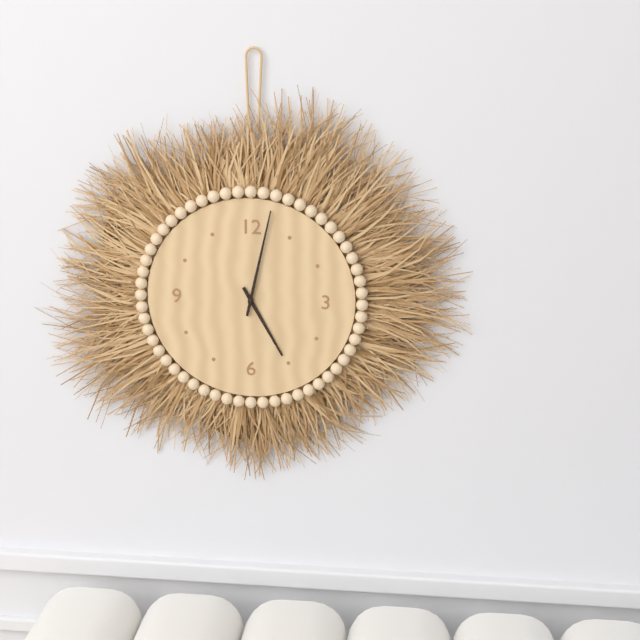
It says 5:02
